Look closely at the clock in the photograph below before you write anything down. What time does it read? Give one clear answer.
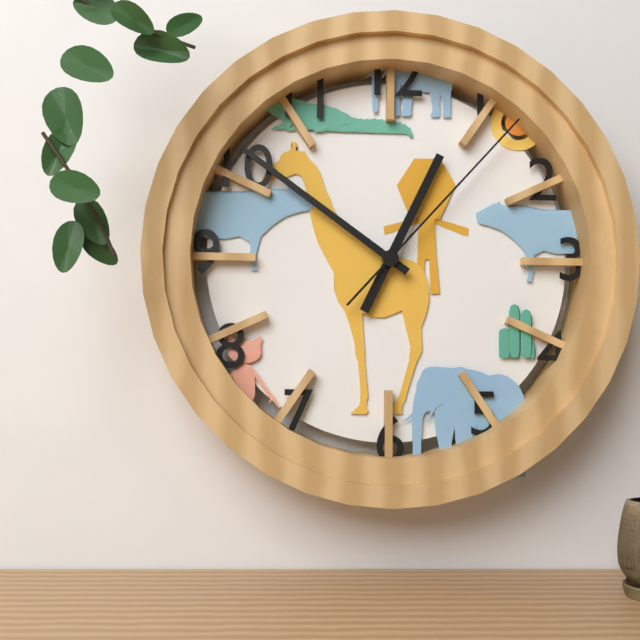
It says 12:51:07
